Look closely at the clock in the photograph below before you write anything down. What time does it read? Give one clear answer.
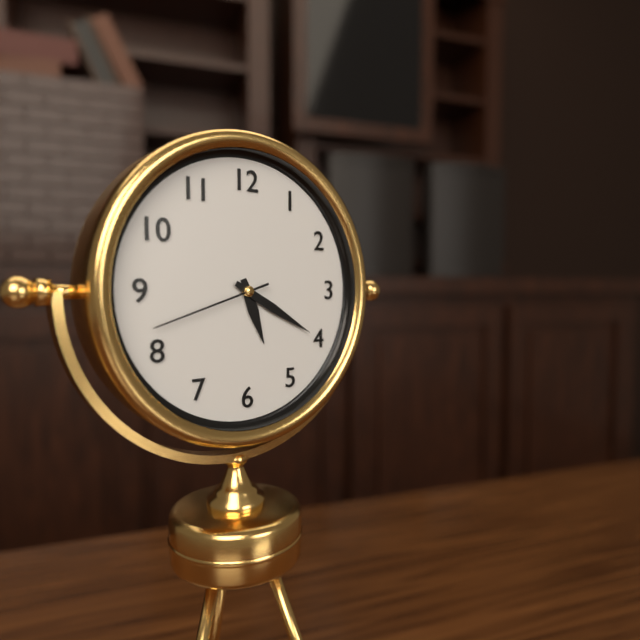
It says 5:20:42
